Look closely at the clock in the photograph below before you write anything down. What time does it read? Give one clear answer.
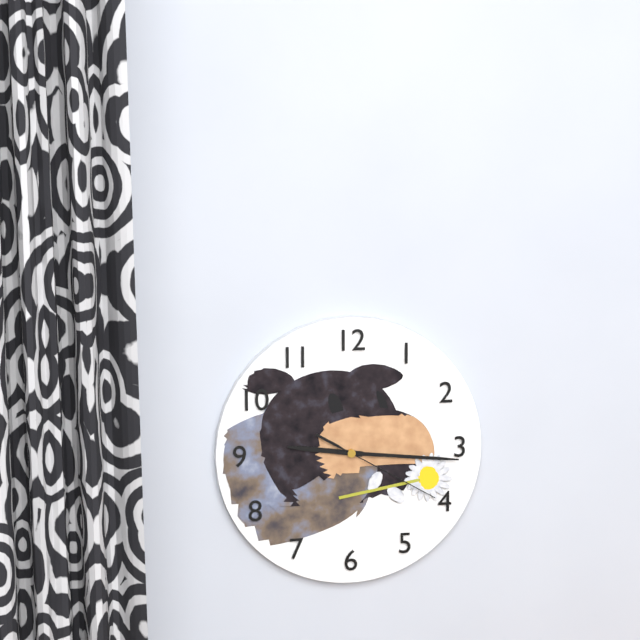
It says 9:16:20
